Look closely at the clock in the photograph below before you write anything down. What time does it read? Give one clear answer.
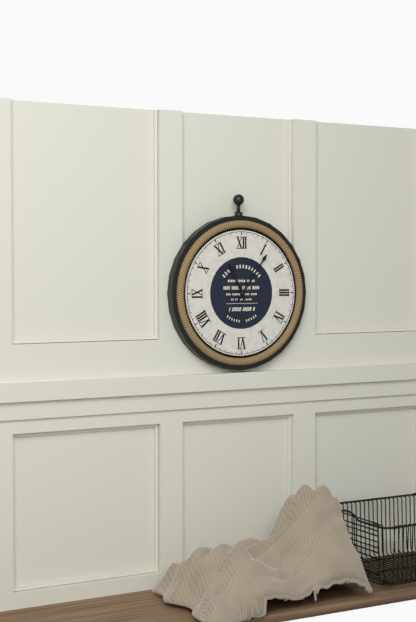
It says 11:06
